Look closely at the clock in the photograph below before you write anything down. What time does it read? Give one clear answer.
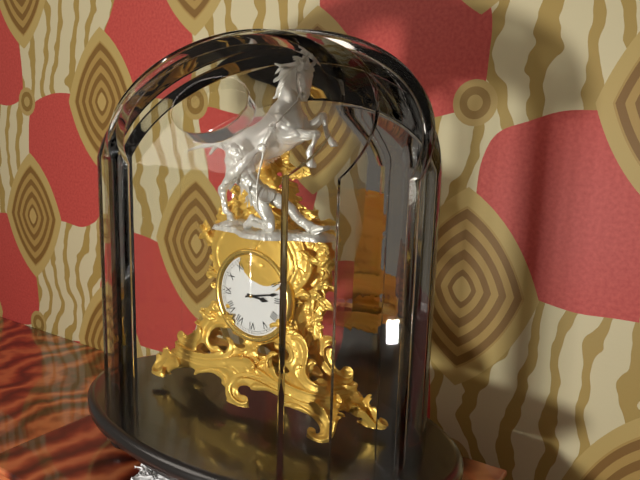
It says 3:13
